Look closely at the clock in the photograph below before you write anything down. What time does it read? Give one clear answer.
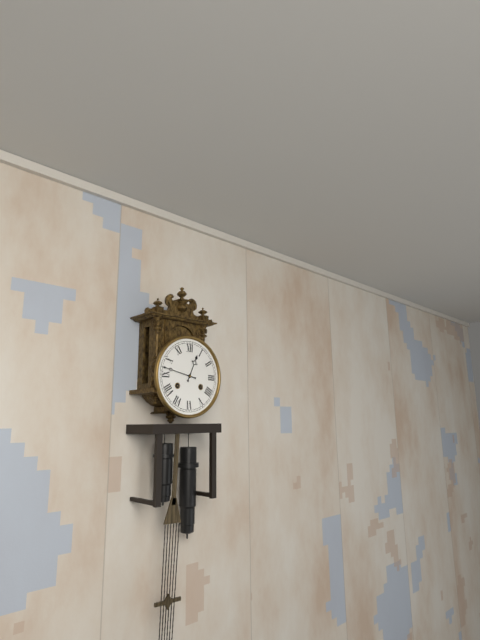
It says 12:47
